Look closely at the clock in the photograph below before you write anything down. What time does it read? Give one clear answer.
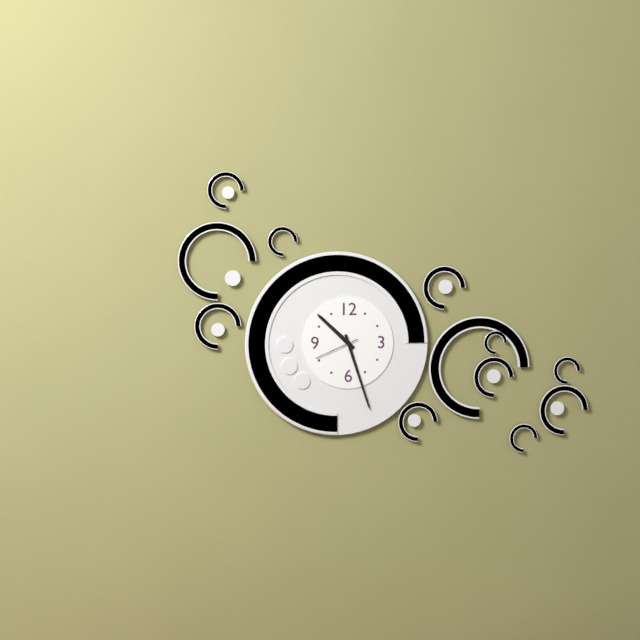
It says 10:27
